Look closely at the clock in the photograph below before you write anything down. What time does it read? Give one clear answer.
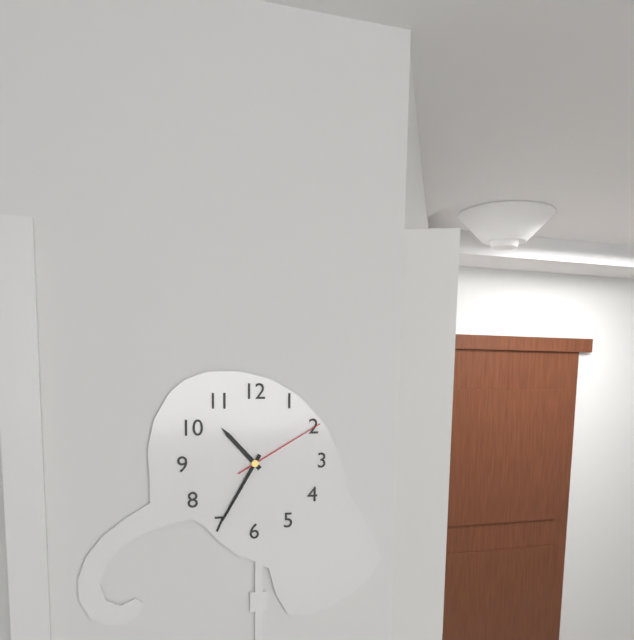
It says 10:35:10
